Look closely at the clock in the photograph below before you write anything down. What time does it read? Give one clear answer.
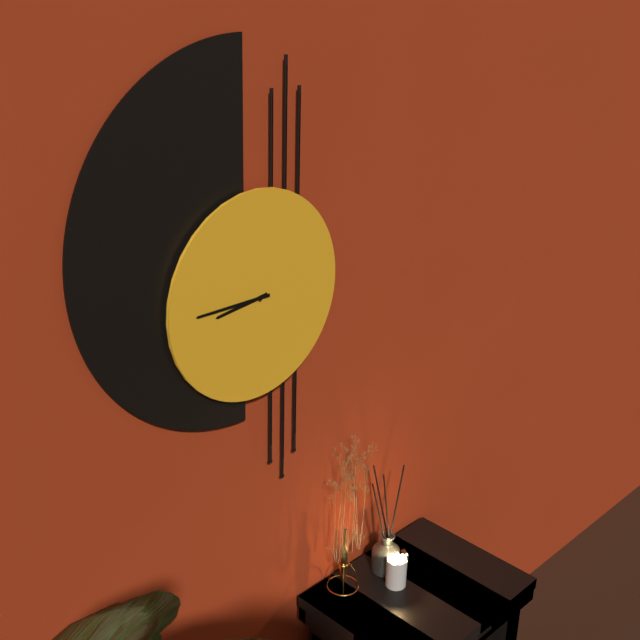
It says 8:45
